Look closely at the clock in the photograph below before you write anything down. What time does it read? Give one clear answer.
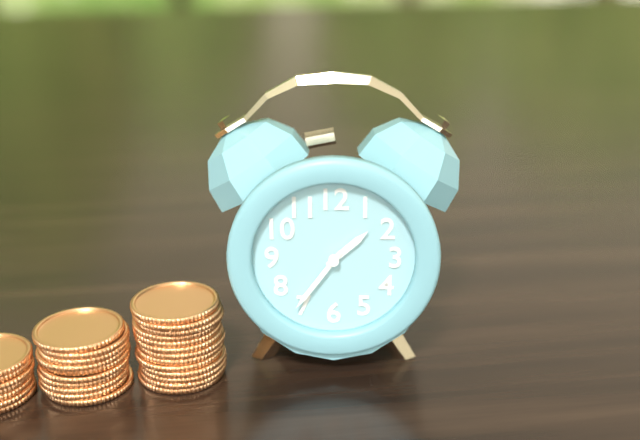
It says 1:36
